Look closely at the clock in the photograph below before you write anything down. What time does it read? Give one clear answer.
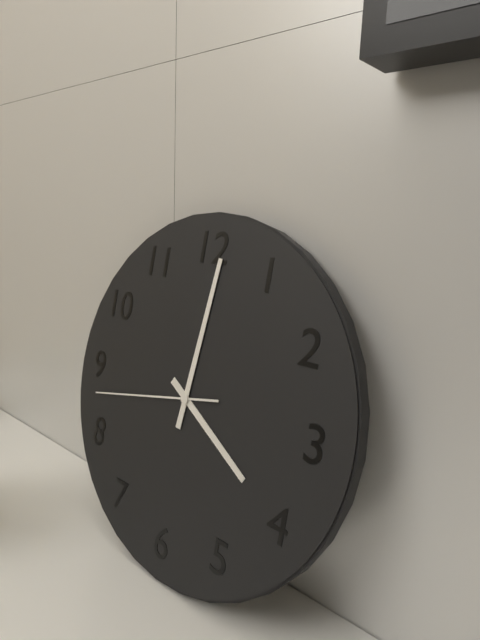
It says 4:01:43
